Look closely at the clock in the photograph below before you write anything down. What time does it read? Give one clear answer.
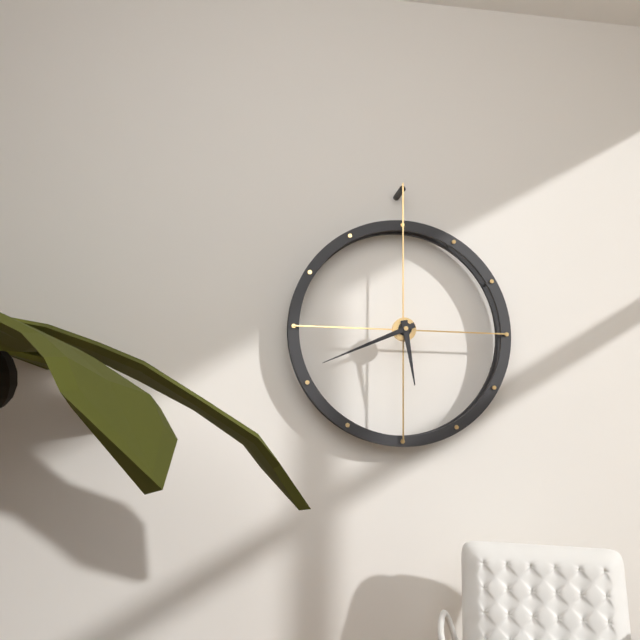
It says 5:41
